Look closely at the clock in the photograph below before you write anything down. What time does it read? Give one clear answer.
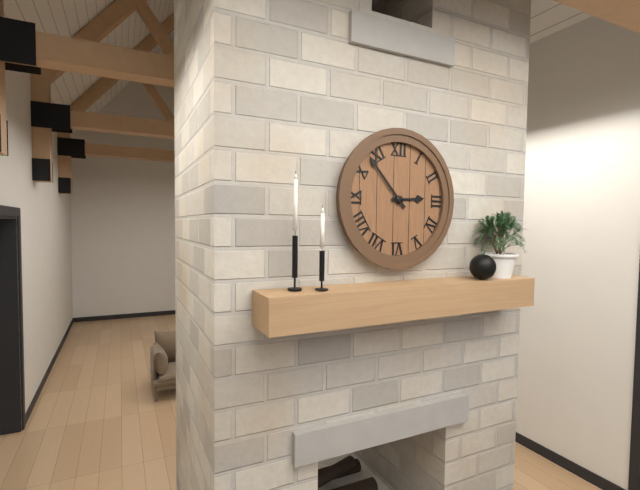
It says 2:53
